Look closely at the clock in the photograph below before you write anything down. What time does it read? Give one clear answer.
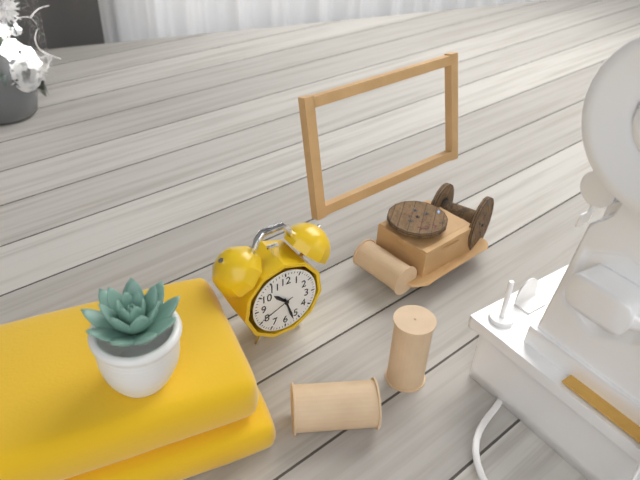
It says 10:27
